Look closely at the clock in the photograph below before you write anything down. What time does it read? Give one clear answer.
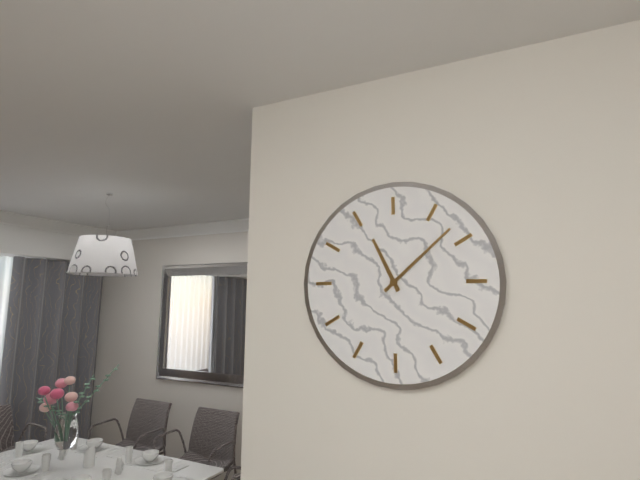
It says 11:08
